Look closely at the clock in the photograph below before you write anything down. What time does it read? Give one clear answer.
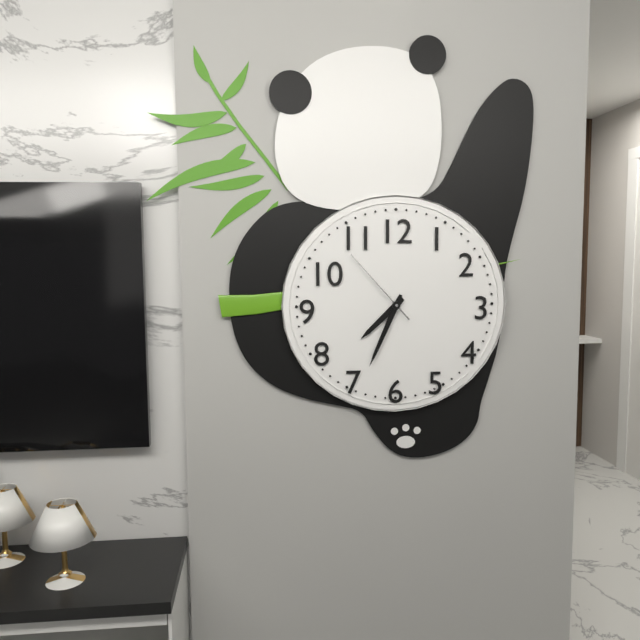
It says 7:34:53
